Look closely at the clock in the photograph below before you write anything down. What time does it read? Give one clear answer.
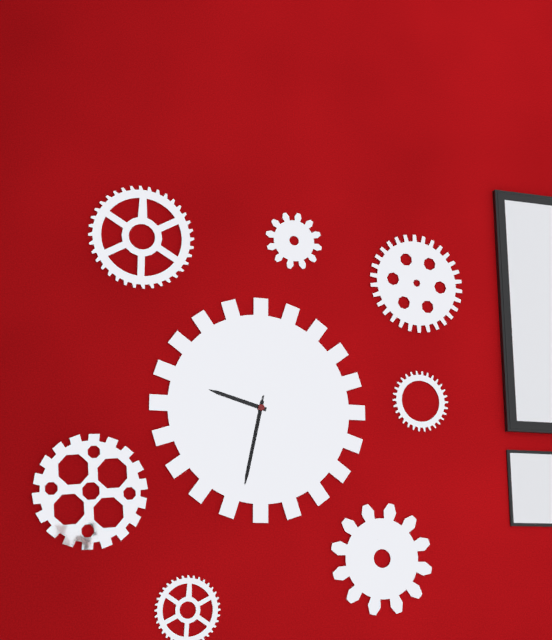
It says 9:32:32
